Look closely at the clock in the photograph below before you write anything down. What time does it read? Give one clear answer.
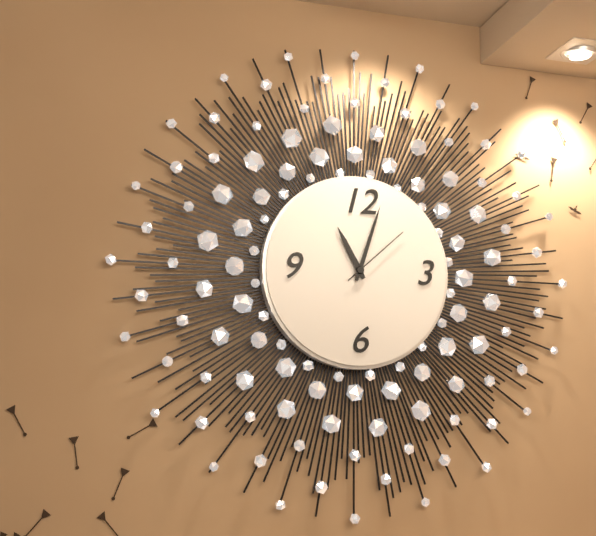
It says 11:03:08
